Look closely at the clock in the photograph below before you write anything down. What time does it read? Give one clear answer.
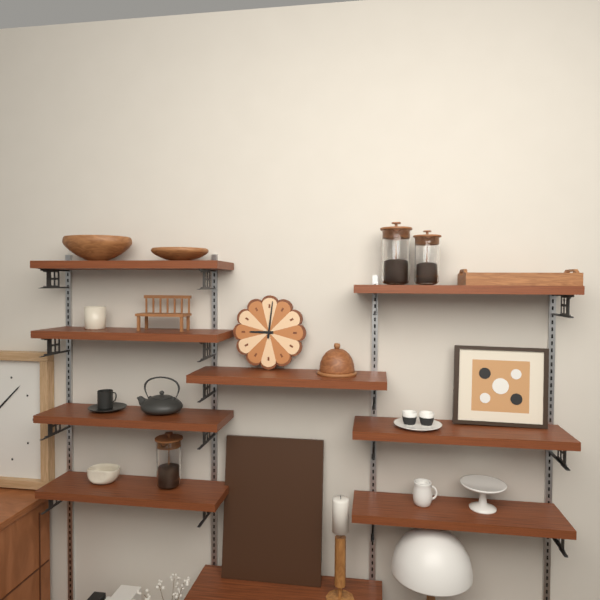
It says 9:01
